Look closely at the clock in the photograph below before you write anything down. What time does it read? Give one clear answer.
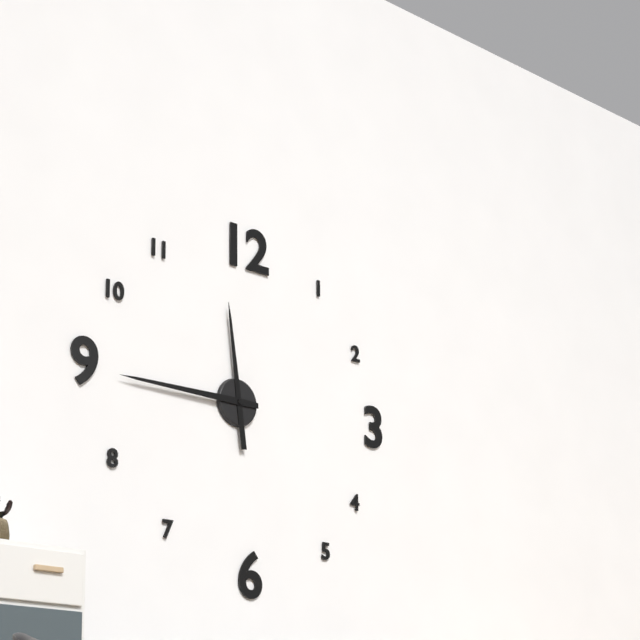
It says 11:45
